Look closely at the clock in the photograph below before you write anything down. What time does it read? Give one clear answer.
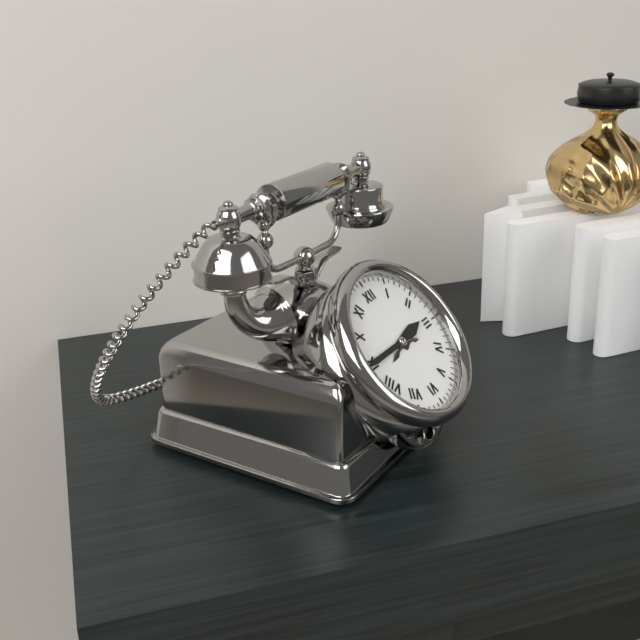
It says 2:45
